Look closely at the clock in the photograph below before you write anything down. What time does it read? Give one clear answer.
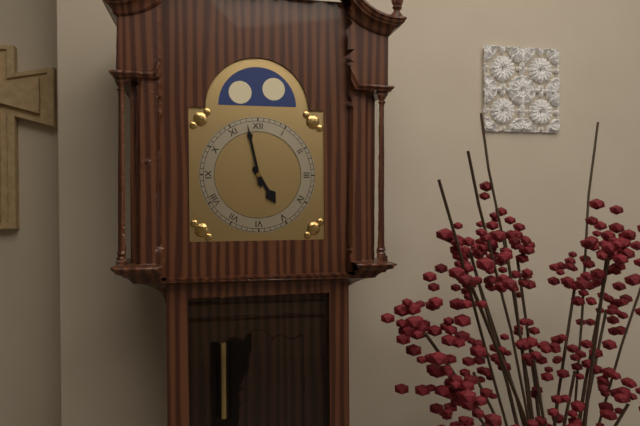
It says 4:58
